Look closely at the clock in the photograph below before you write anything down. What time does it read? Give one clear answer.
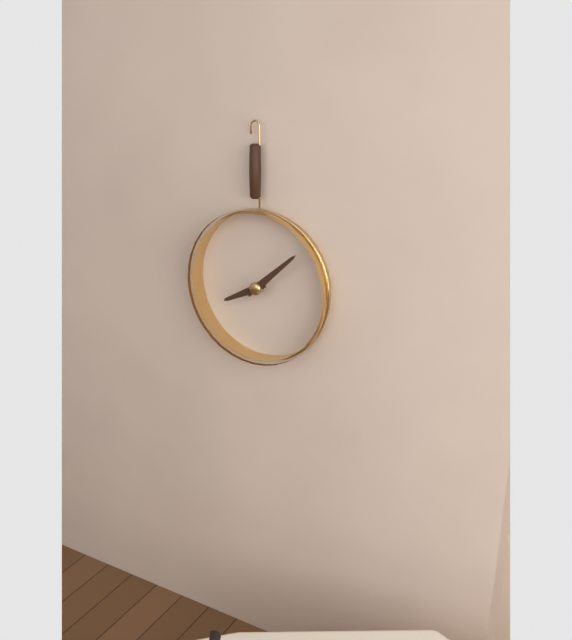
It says 8:08
